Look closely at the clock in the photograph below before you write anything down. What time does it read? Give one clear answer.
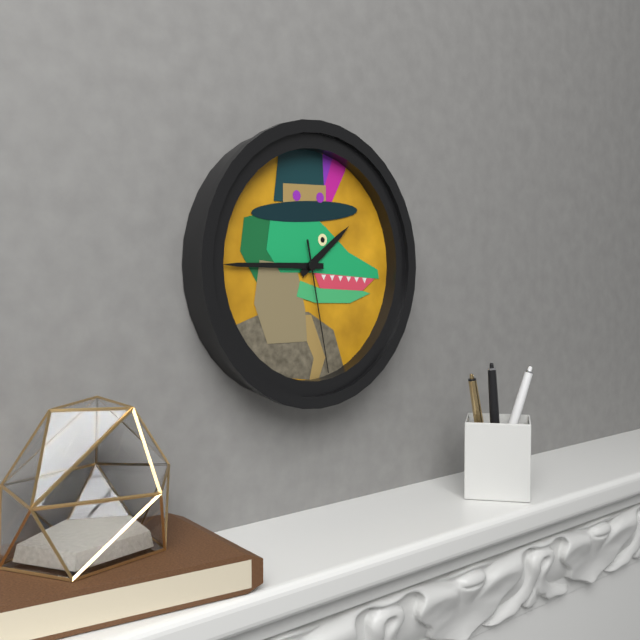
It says 1:45:28
